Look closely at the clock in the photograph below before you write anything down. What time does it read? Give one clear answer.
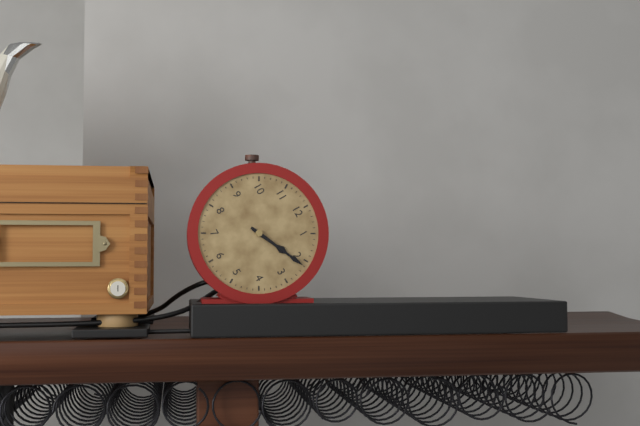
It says 2:11
